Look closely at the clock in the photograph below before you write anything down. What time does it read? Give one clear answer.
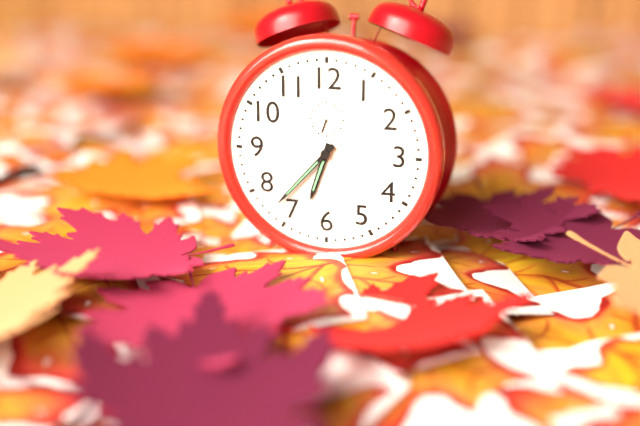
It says 6:37
